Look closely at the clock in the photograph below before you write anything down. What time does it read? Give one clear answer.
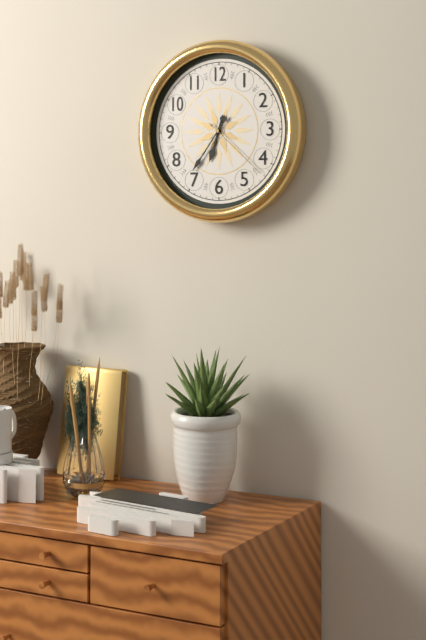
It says 6:36:22
